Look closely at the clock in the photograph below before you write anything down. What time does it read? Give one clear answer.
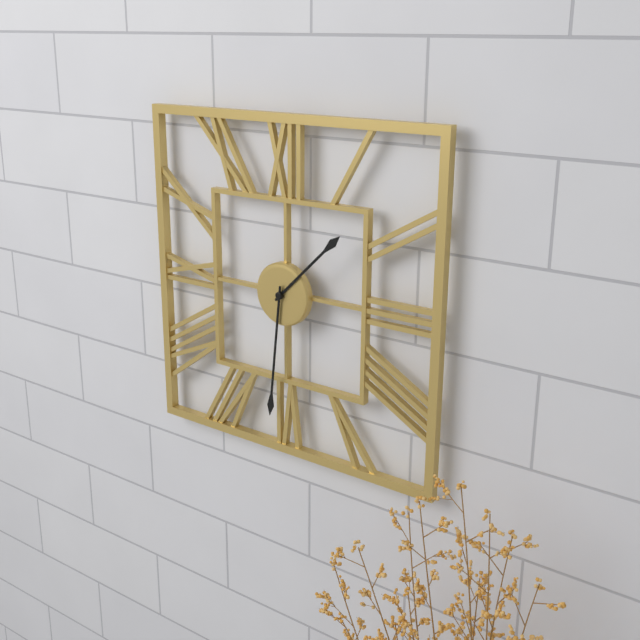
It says 1:31
